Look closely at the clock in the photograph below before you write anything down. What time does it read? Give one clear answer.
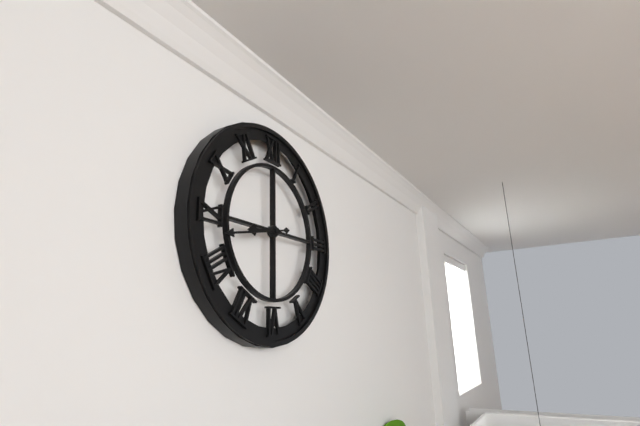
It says 8:43
